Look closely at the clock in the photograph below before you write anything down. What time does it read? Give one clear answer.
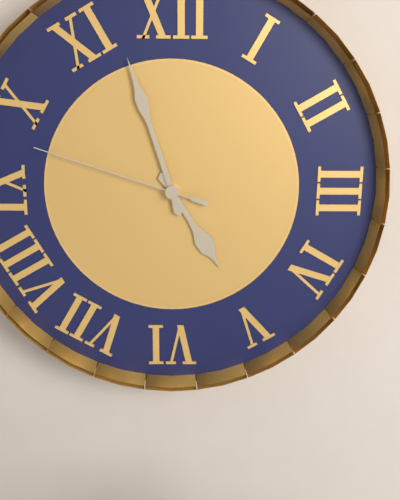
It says 4:57:48
